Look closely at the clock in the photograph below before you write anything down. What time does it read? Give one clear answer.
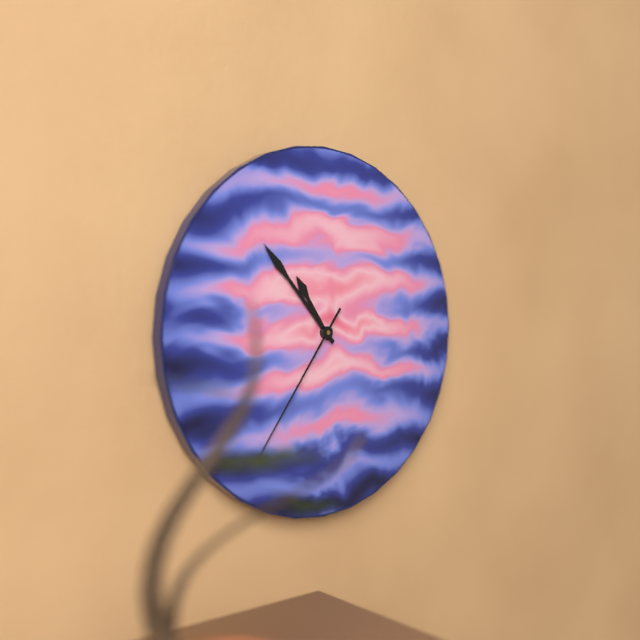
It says 10:53:36
